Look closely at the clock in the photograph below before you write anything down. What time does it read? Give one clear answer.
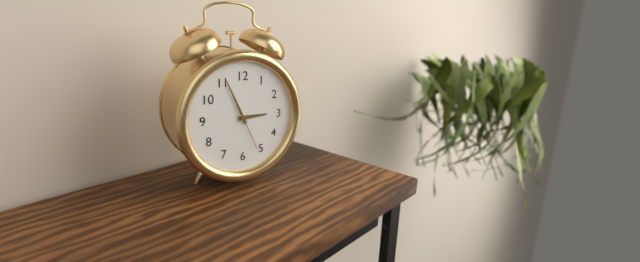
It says 2:56
